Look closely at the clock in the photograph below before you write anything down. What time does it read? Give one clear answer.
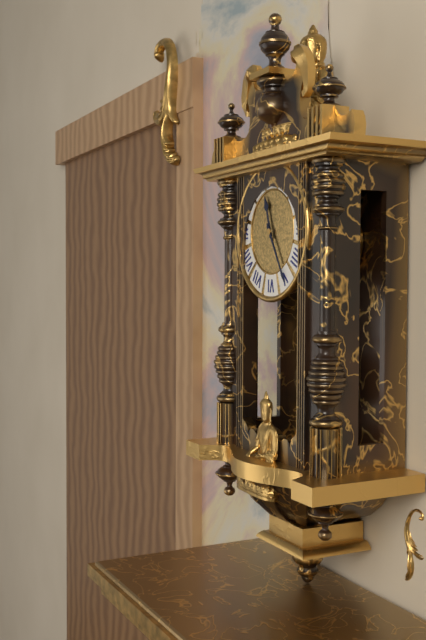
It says 11:25
